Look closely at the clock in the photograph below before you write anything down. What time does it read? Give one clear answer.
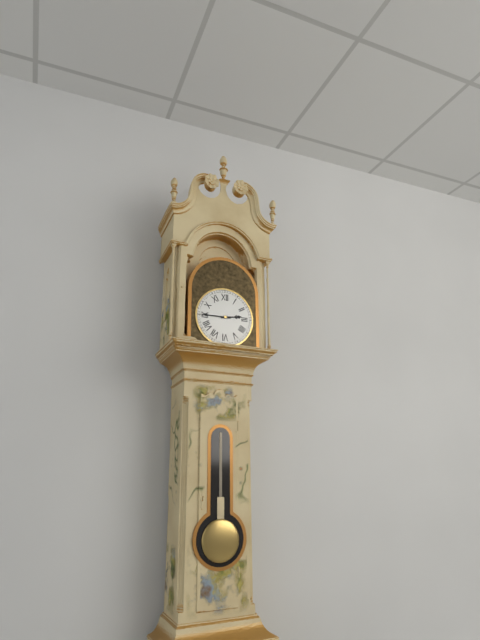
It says 2:45
